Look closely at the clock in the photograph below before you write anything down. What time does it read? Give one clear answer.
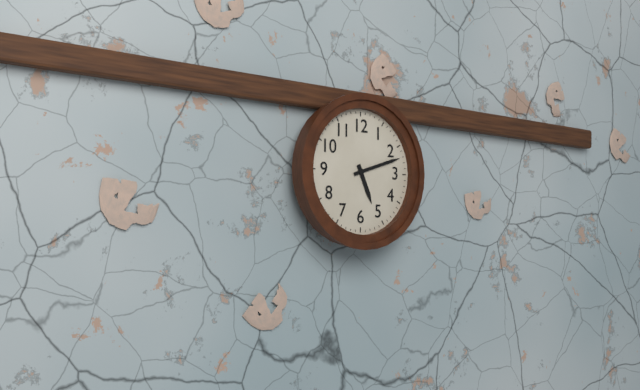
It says 5:12
